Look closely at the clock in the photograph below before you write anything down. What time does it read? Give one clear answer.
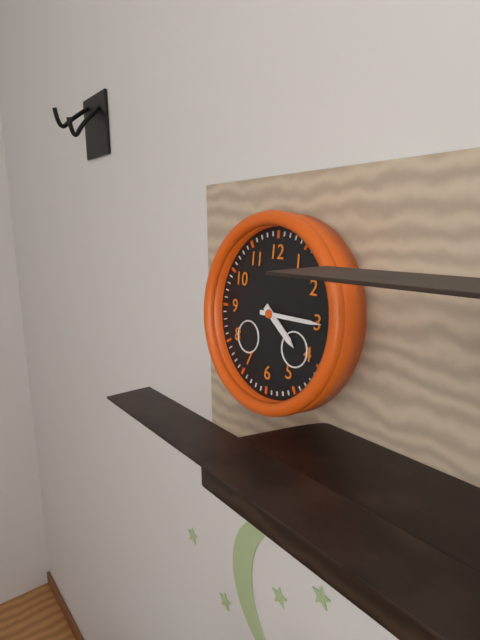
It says 4:15
